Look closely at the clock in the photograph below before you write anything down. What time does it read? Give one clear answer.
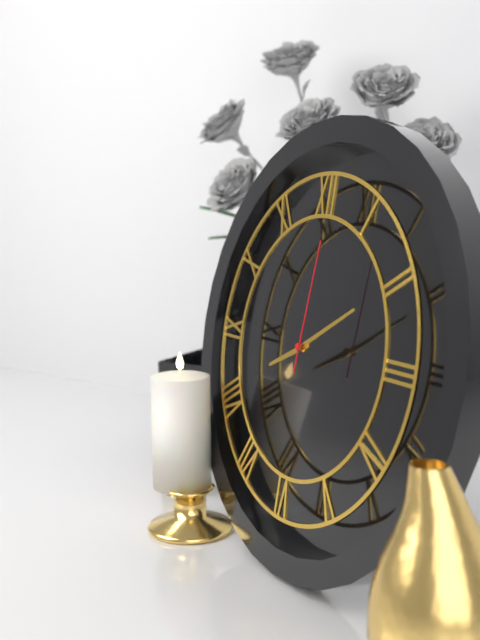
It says 8:10:01
